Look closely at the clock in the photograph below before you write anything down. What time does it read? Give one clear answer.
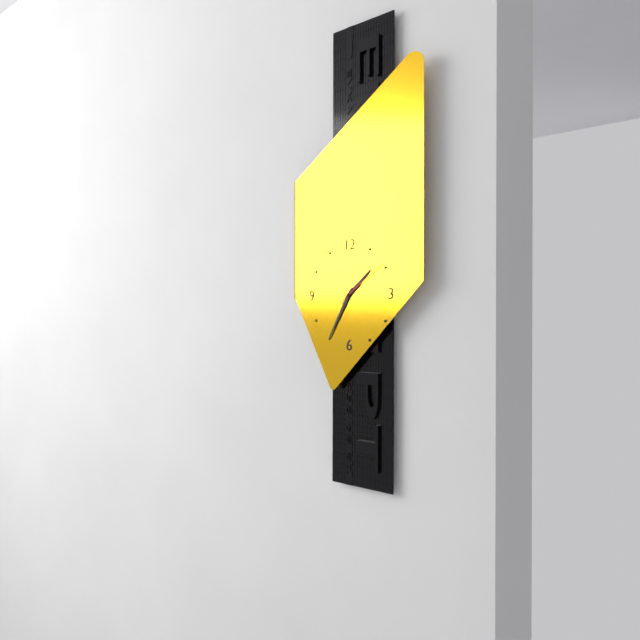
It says 1:35:09
